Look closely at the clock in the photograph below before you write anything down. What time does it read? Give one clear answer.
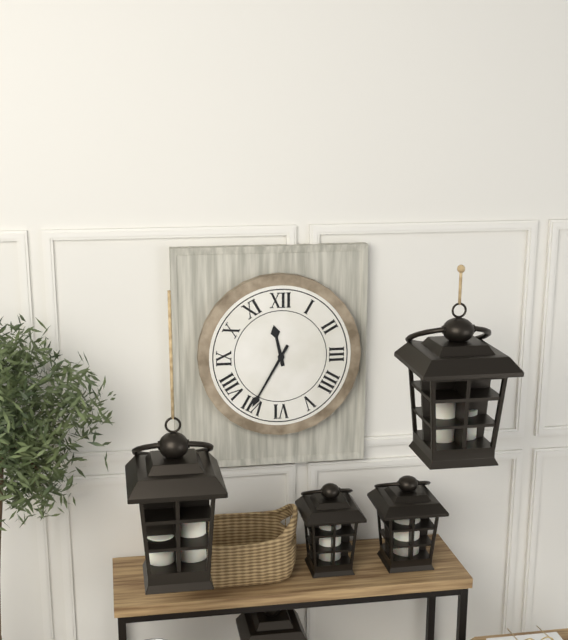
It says 11:35
